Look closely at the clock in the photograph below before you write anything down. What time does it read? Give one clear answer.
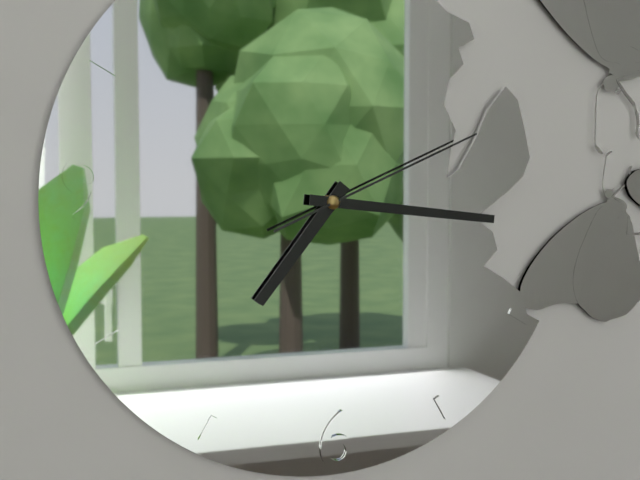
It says 7:16:11
